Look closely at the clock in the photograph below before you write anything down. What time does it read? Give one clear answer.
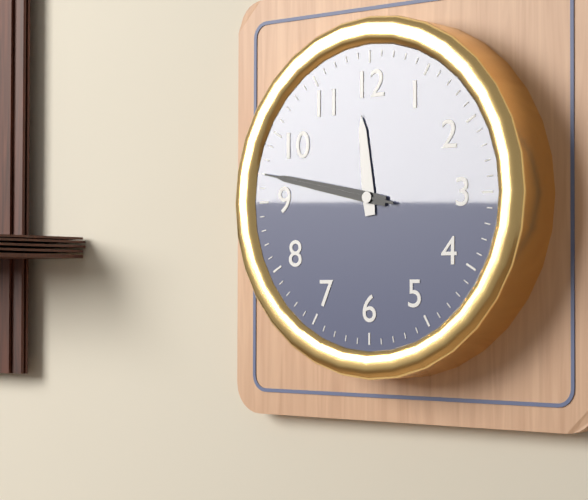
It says 11:47:47
